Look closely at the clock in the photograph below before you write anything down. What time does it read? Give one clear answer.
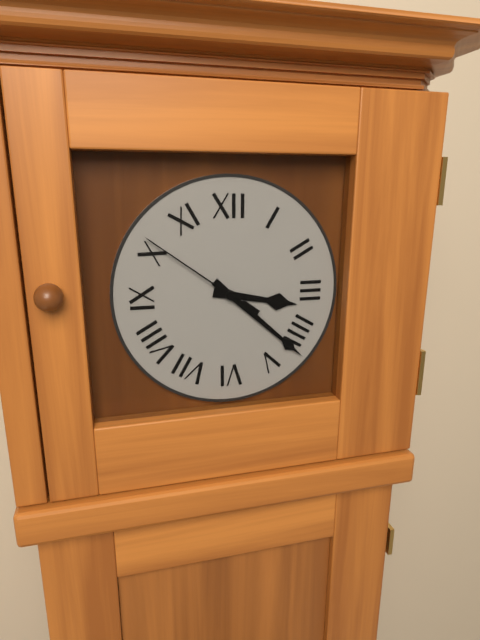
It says 3:22:51
